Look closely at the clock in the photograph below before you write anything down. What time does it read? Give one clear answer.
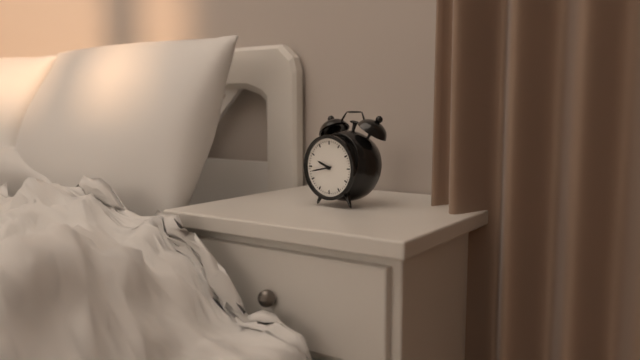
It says 9:43
